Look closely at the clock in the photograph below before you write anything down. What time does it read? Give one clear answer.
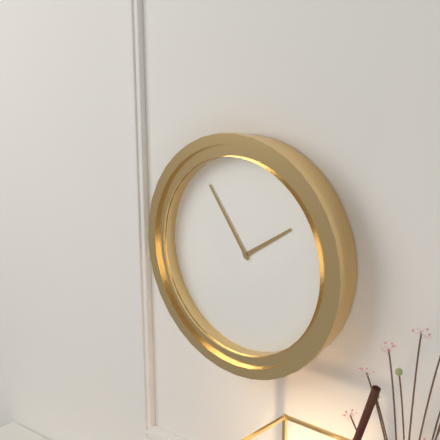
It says 1:54
